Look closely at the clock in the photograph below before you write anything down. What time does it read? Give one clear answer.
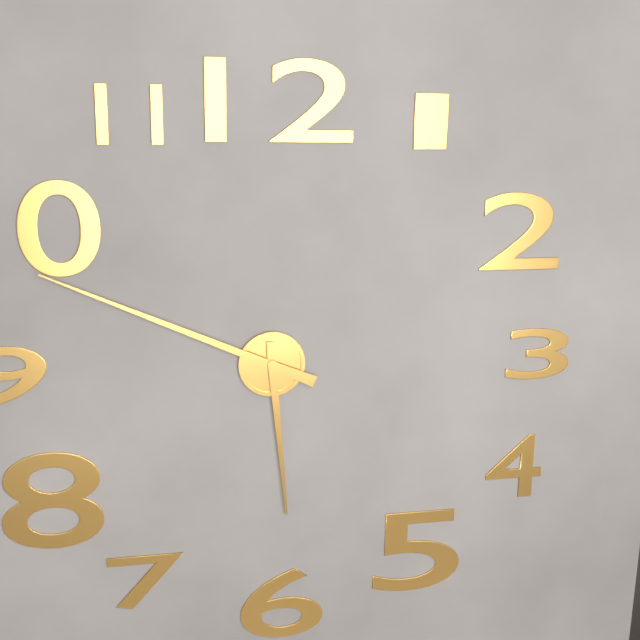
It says 5:49
